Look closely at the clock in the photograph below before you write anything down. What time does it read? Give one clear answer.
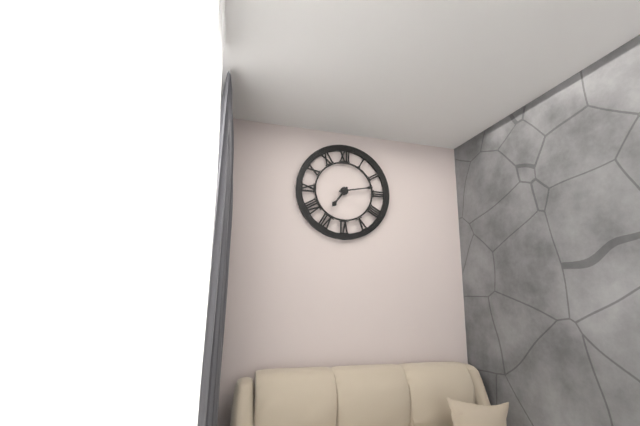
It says 7:13
